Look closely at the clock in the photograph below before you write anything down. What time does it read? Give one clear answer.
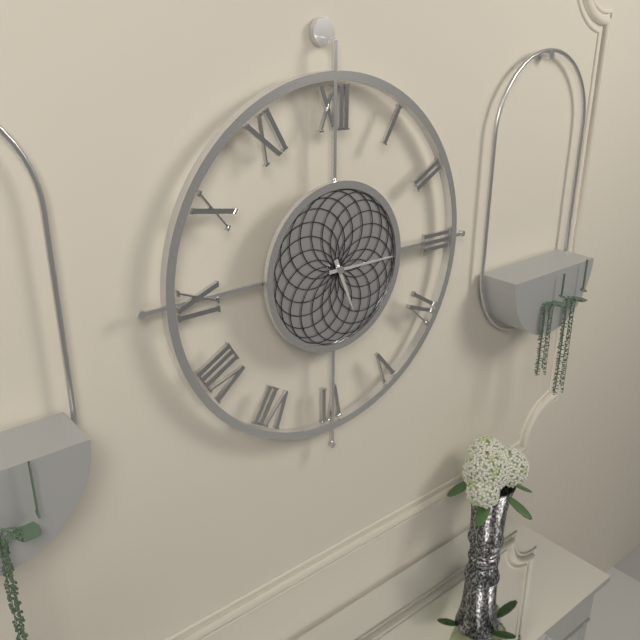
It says 5:15
